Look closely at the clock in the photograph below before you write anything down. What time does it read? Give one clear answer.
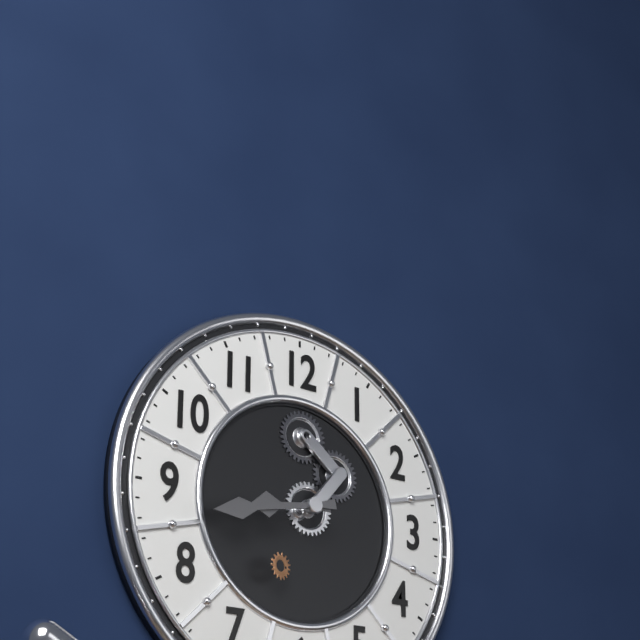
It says 8:43
